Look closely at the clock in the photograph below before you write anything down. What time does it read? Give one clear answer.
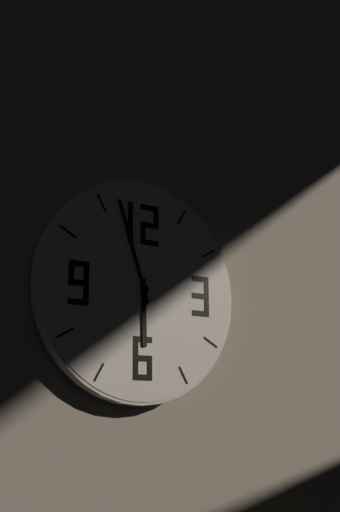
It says 5:57
